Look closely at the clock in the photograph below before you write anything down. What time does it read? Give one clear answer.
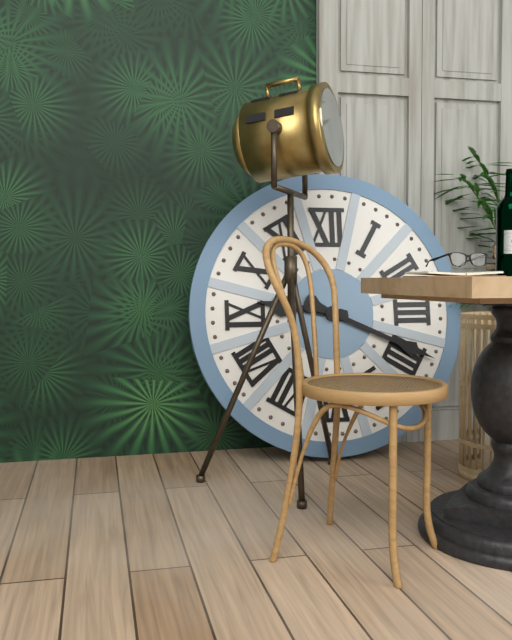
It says 9:19
